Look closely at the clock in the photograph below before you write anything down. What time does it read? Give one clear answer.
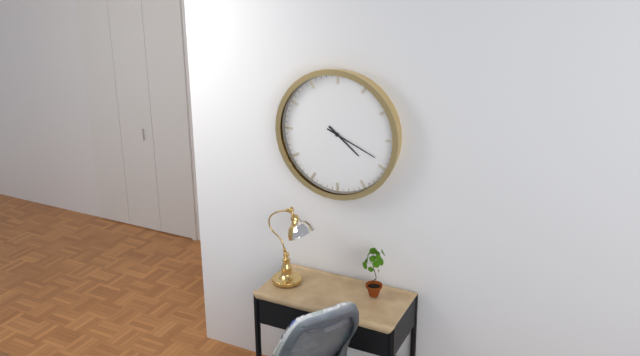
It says 4:19
